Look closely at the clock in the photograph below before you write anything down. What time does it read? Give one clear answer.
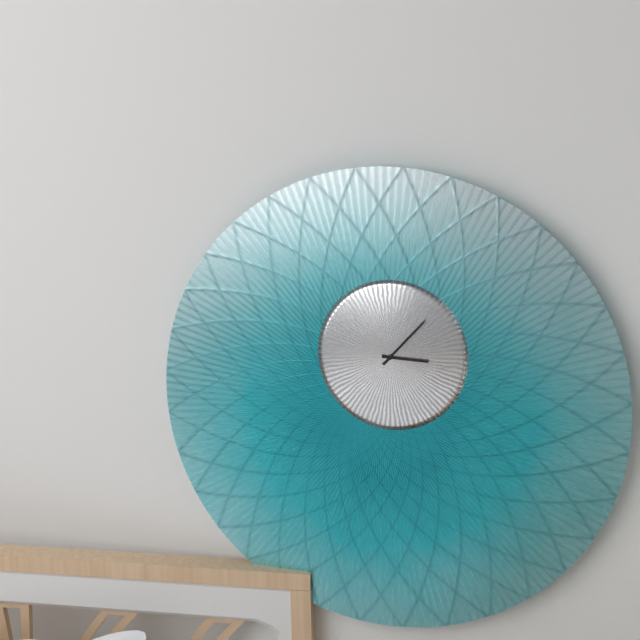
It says 3:07
